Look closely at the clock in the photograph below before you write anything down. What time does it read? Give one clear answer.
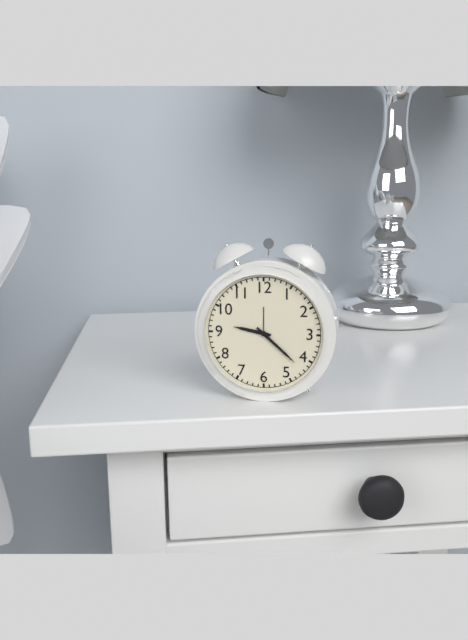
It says 9:22
